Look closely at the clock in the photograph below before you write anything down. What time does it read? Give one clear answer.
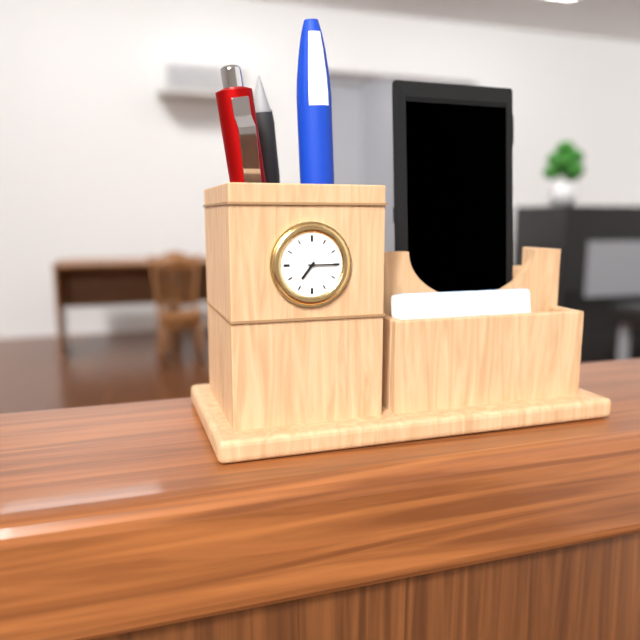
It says 7:15
